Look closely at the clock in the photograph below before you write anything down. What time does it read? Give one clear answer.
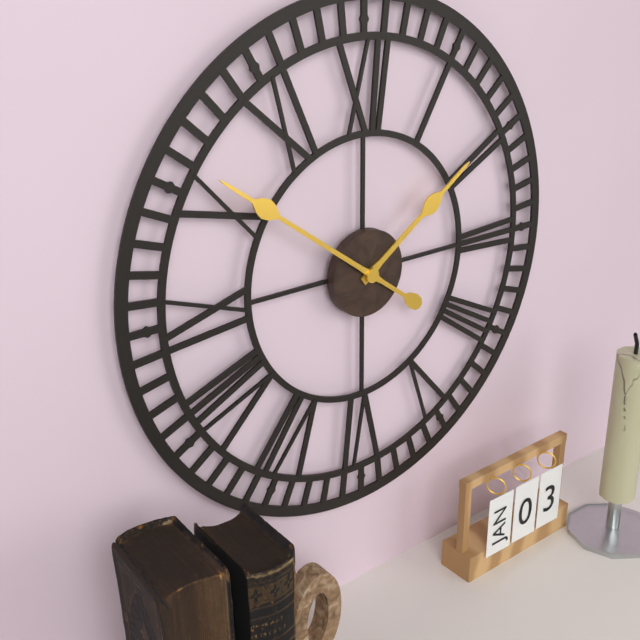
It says 1:51
